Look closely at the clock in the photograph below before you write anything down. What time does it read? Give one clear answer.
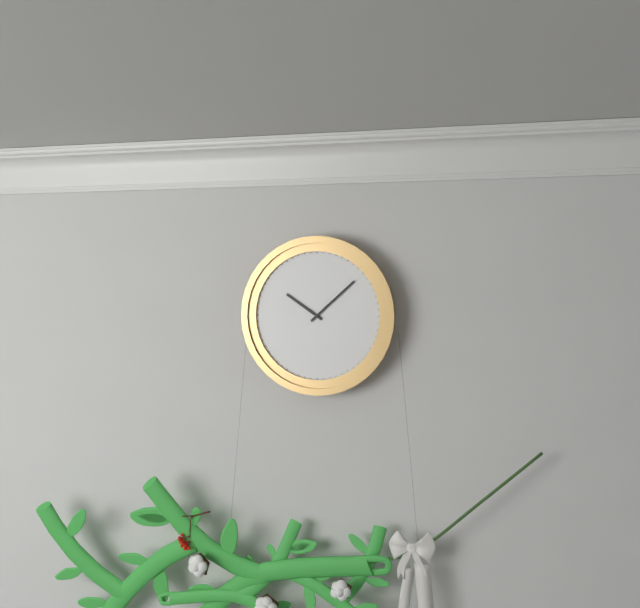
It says 10:08
